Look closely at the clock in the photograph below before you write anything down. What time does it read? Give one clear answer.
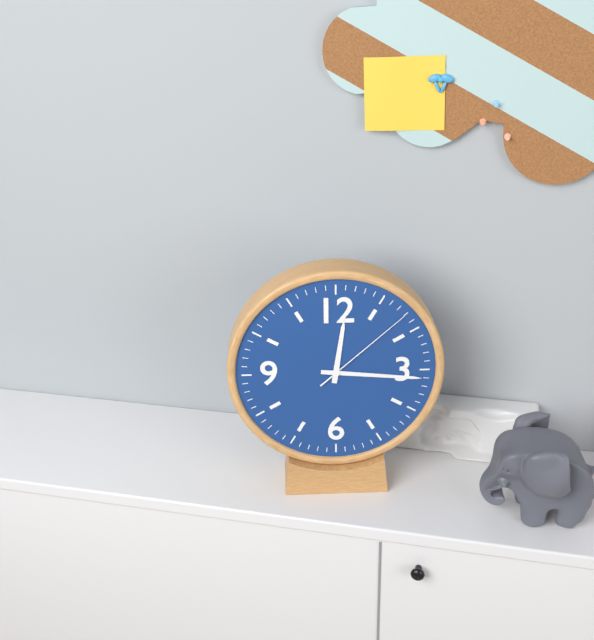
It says 12:16:08
